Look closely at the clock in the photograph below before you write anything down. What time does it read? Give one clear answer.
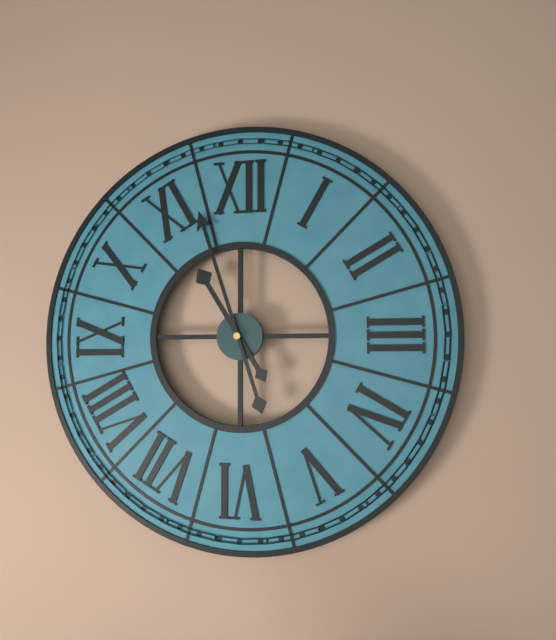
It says 10:57
